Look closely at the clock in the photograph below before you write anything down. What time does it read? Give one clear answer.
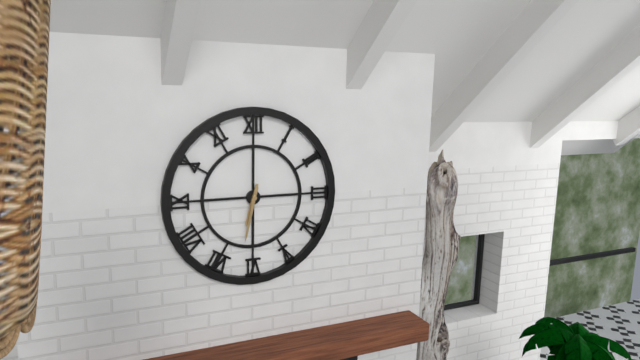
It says 6:32
